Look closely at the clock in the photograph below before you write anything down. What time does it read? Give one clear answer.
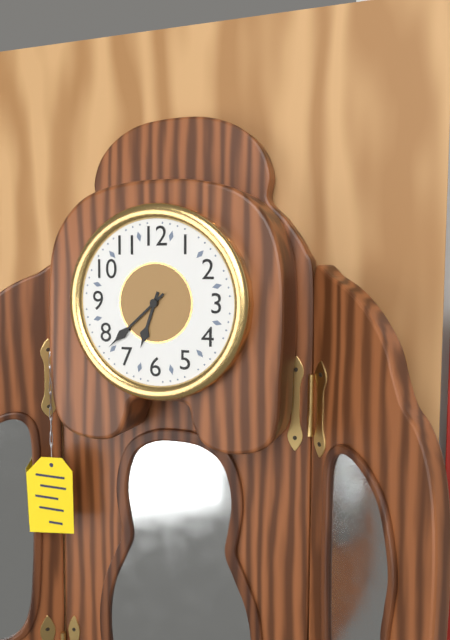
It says 6:38
